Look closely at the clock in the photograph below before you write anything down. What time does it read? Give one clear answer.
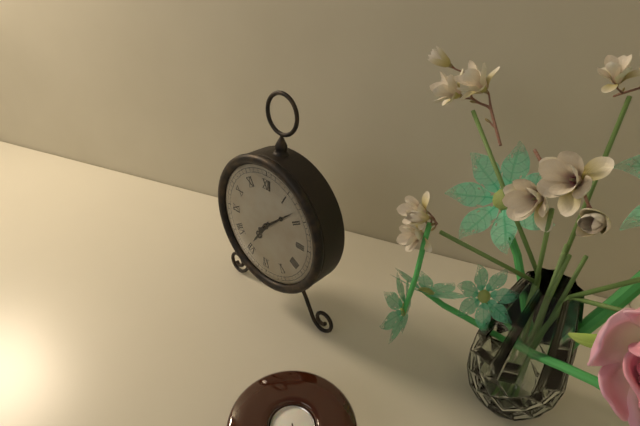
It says 7:08
